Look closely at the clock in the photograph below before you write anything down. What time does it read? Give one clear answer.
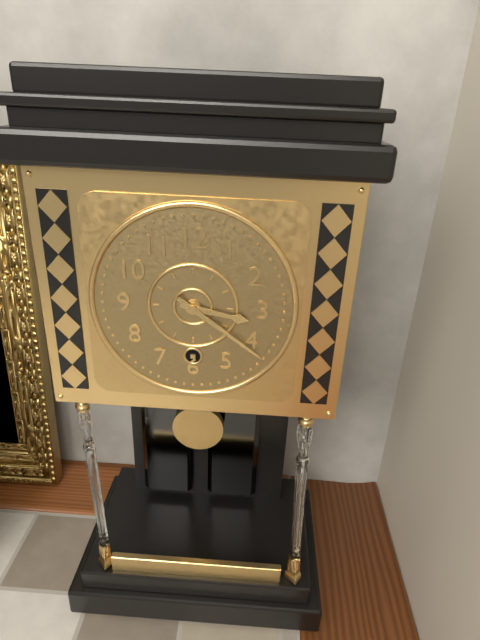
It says 3:21
